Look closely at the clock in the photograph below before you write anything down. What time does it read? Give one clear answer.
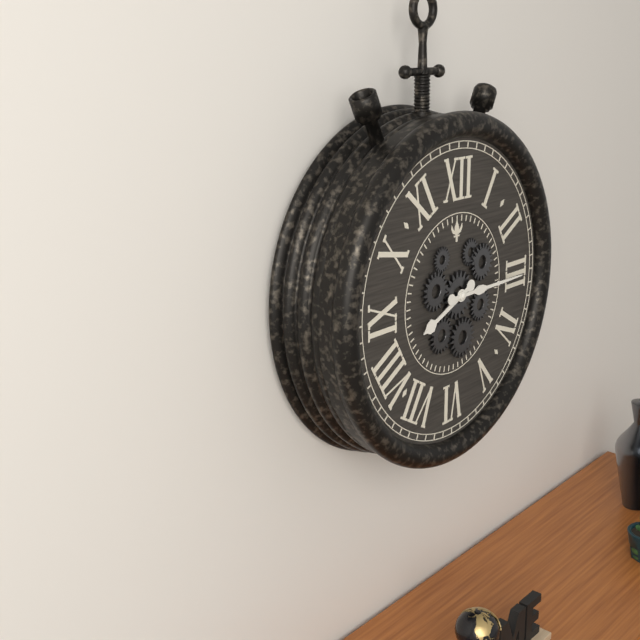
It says 8:15
